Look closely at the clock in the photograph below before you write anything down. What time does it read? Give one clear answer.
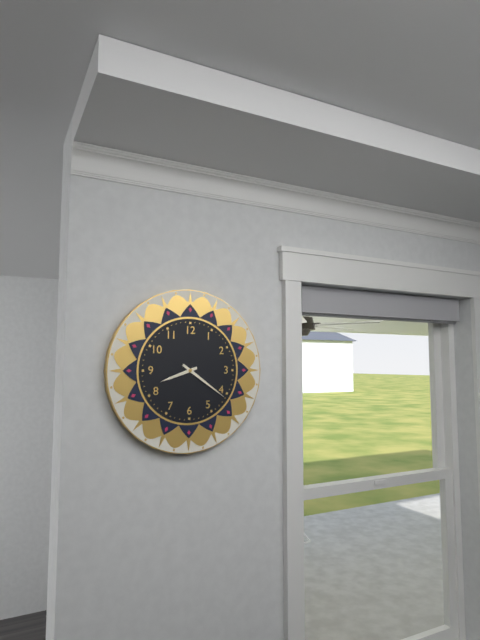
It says 8:21
